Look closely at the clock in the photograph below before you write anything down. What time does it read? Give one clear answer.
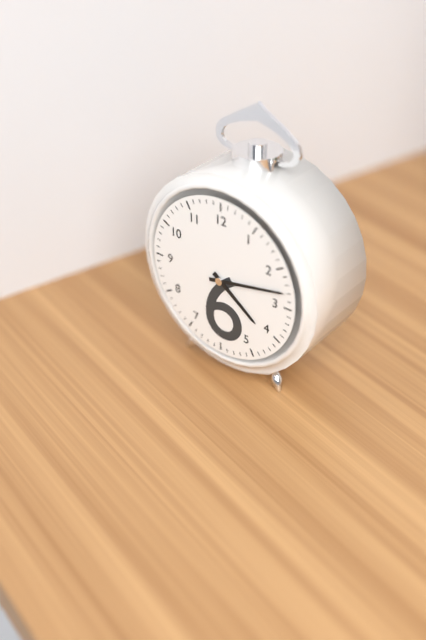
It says 4:13
